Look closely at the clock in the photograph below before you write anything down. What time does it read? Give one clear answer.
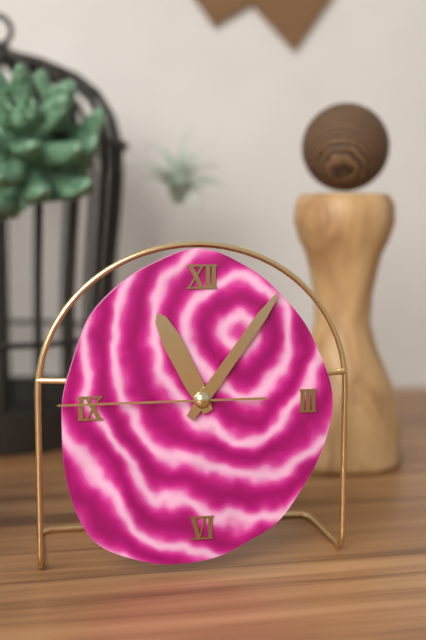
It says 11:06:45
